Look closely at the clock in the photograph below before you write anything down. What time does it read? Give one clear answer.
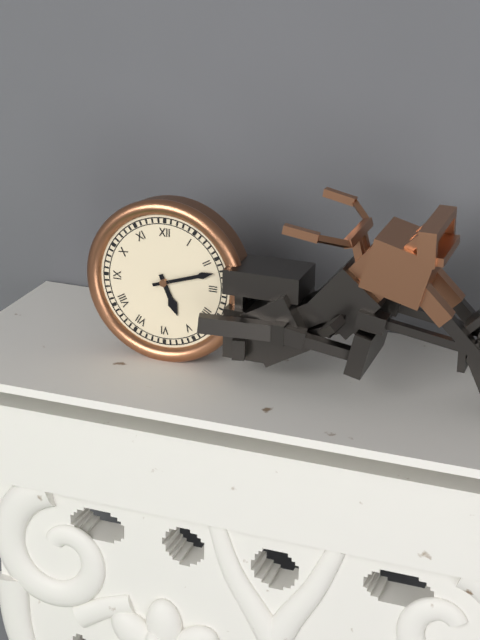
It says 5:12
